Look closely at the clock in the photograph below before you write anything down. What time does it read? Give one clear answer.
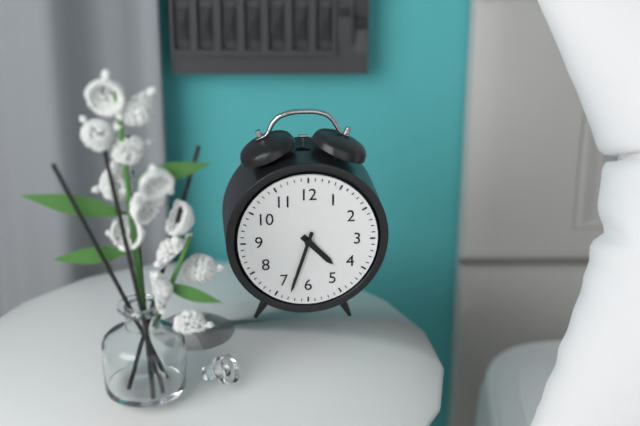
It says 4:33
